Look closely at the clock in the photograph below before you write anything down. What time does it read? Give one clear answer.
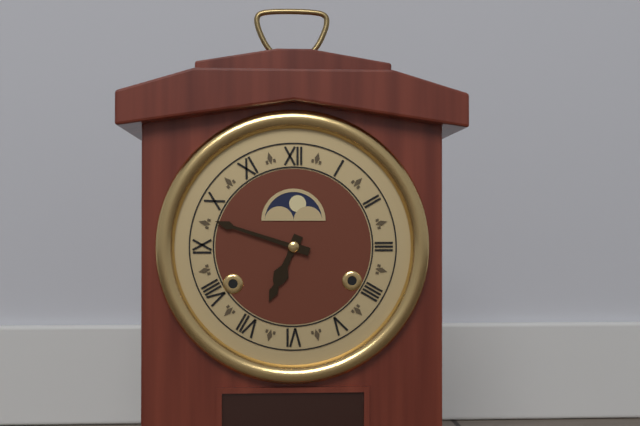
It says 6:48
